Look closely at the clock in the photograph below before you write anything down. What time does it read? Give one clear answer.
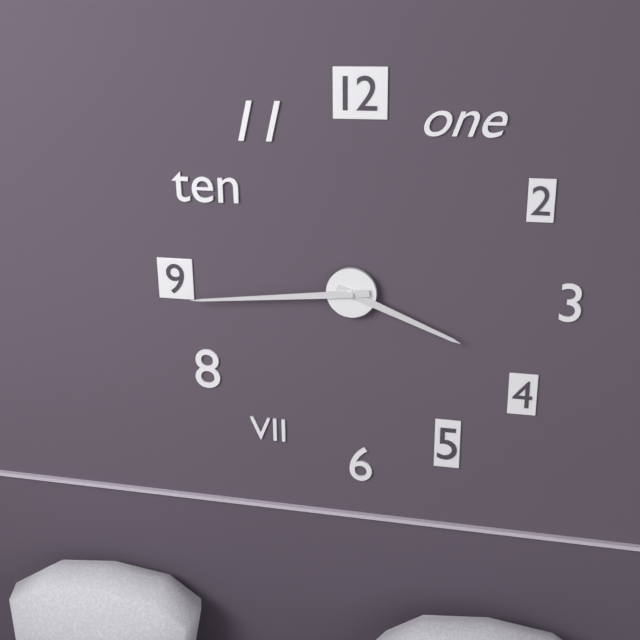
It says 3:44
